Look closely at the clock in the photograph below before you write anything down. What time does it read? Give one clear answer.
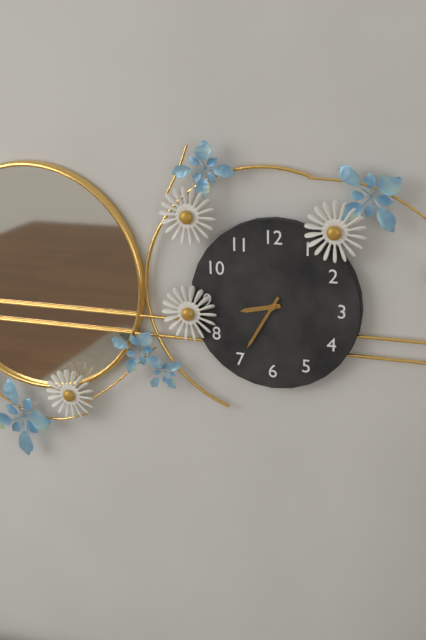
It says 8:35
